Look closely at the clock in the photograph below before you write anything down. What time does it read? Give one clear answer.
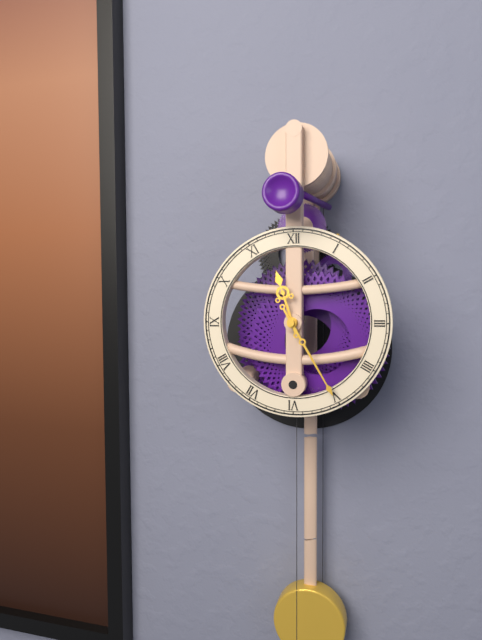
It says 11:25
